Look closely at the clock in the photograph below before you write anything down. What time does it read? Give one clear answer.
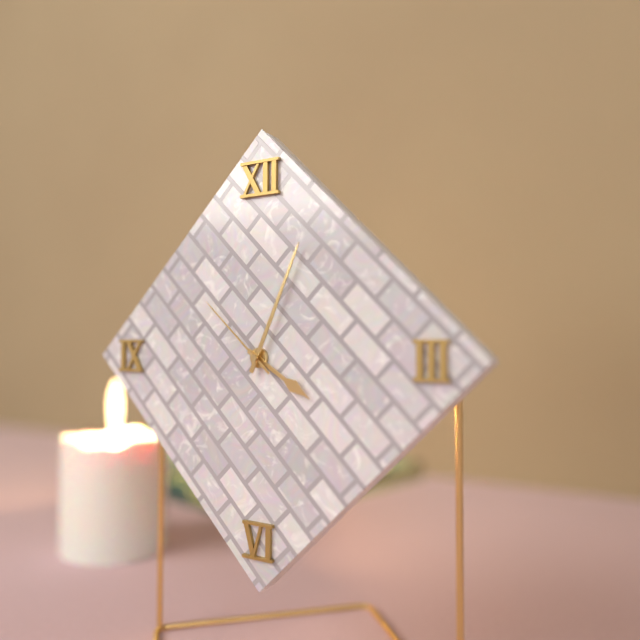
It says 4:04:52
